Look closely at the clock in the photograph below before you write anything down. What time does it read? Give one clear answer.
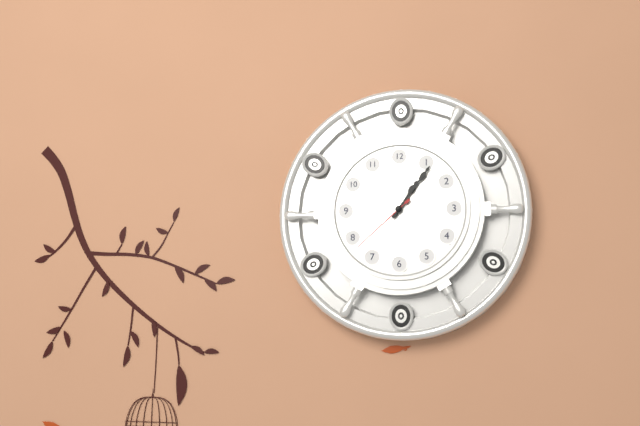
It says 1:06:38
